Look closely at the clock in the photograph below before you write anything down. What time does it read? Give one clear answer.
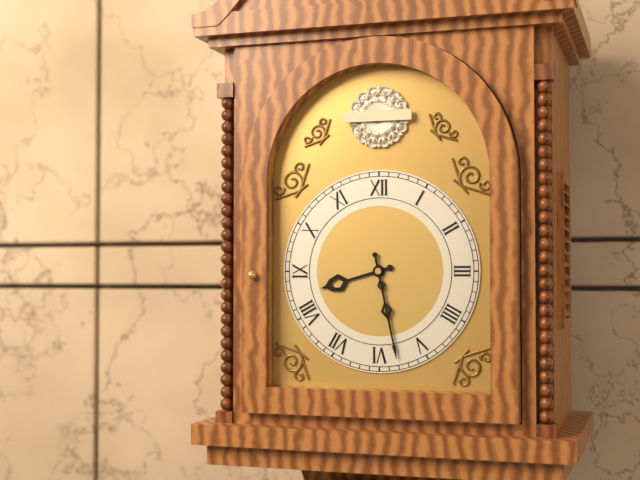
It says 8:28
